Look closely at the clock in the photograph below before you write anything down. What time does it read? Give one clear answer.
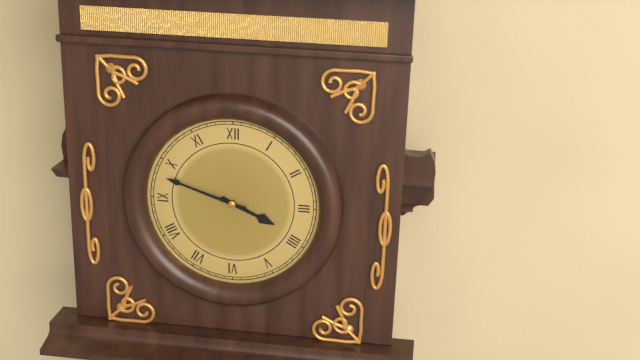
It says 3:48
